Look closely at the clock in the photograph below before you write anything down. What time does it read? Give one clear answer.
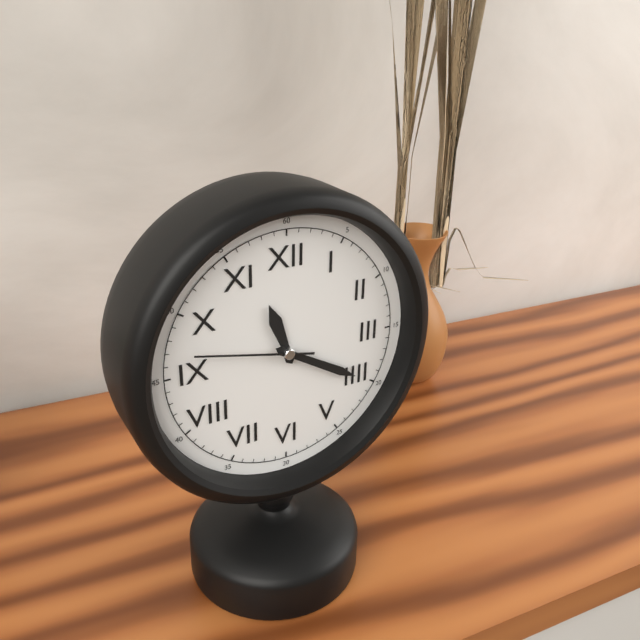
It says 11:20:47
